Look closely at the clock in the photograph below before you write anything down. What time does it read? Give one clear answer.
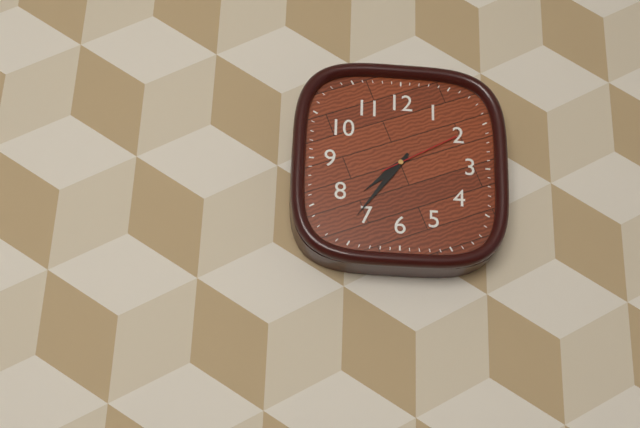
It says 7:36:10
